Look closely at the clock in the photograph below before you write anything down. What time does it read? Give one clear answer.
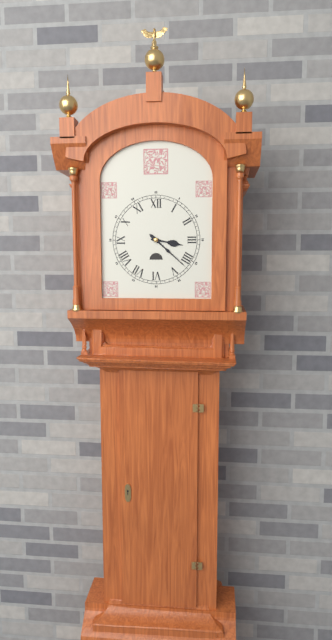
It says 3:22
